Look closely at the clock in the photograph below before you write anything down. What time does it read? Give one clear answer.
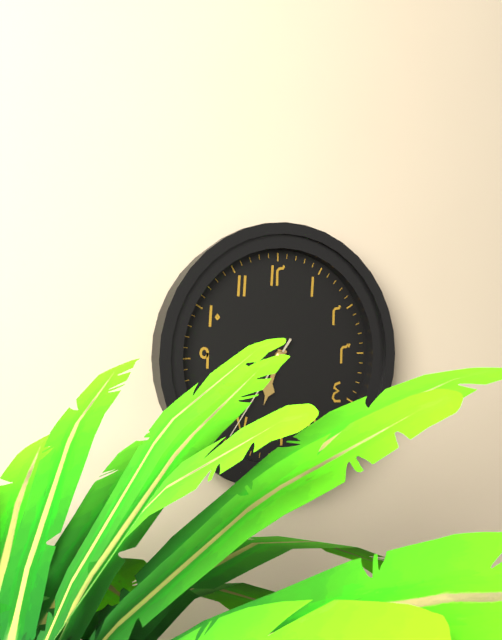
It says 6:39:36
